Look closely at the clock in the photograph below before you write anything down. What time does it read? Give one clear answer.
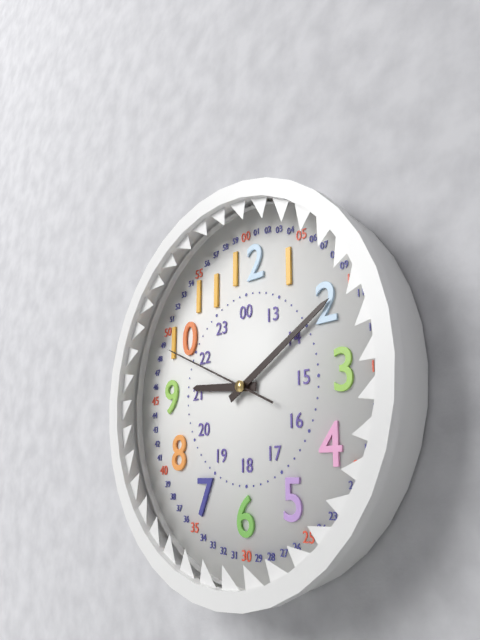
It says 9:10:49
